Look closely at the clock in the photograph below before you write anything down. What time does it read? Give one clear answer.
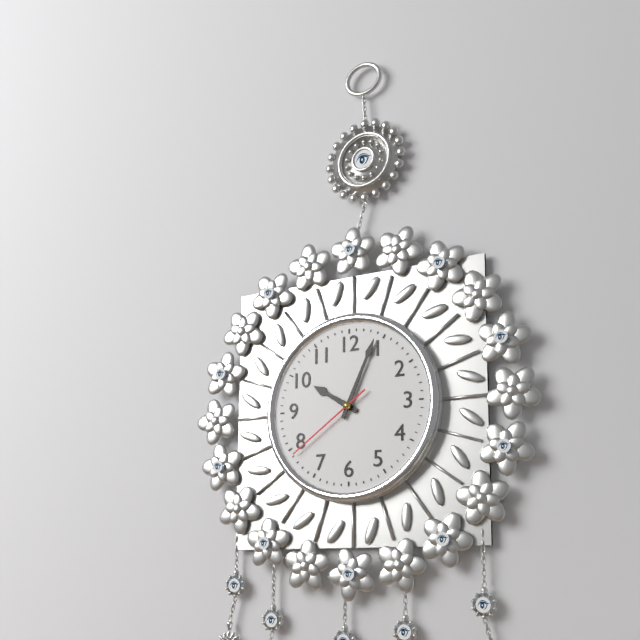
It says 10:04:39
